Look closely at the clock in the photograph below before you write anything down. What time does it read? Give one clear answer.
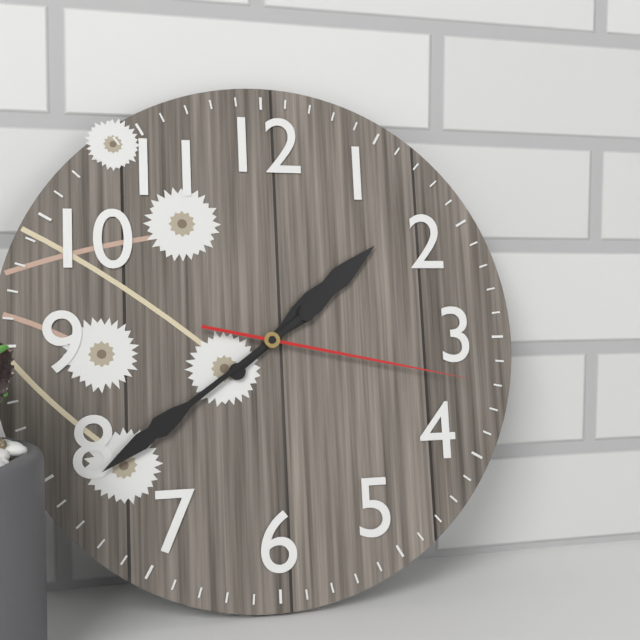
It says 1:39:17
